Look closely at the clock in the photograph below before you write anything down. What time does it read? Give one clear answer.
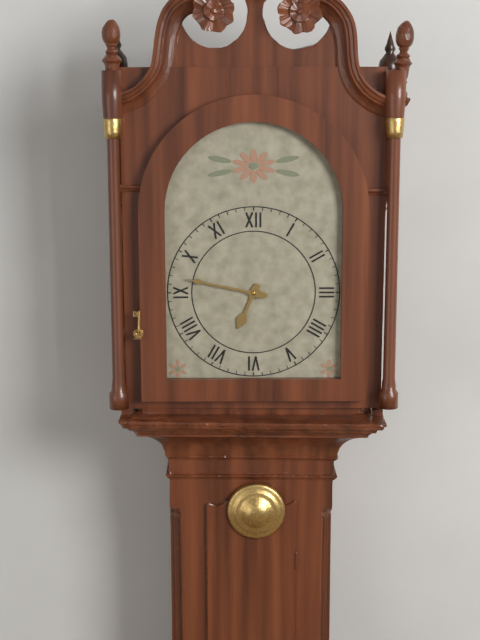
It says 6:47
